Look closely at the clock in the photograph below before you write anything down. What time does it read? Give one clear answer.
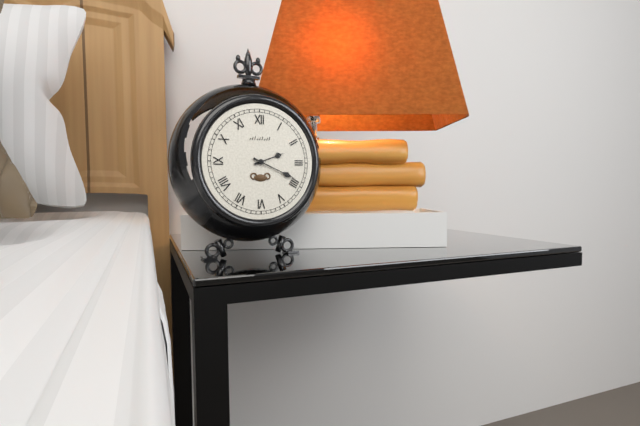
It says 2:19
